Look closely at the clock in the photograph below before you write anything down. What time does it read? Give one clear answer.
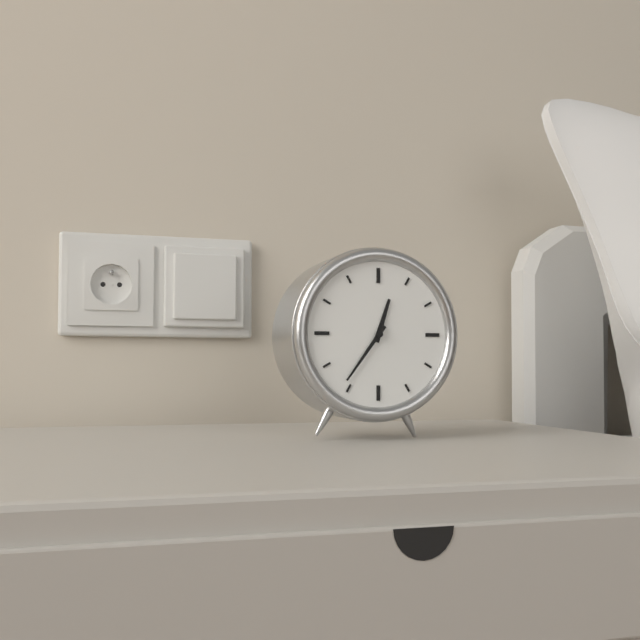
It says 12:36
